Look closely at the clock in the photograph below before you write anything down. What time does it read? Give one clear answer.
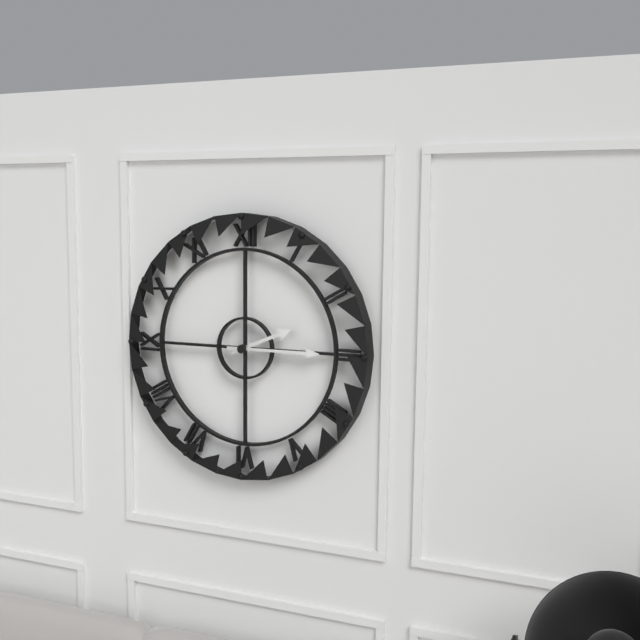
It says 2:15
